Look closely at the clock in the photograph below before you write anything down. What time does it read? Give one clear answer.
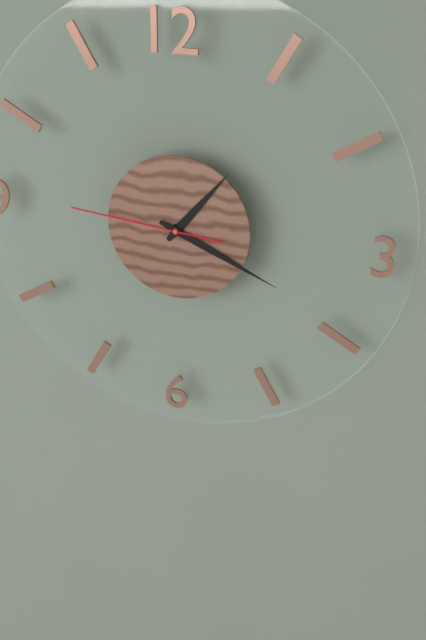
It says 1:19:46
